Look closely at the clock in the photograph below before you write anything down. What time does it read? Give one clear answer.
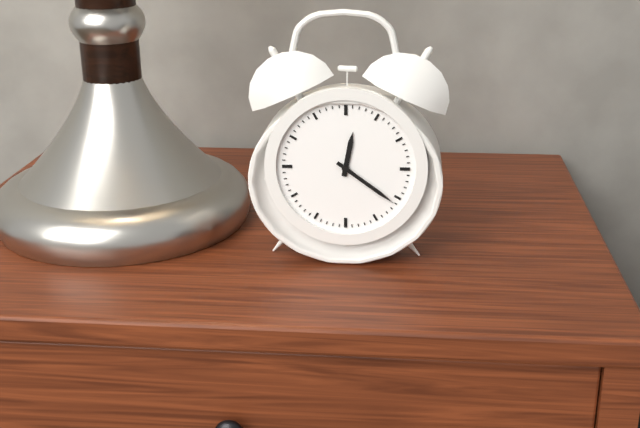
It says 12:21
